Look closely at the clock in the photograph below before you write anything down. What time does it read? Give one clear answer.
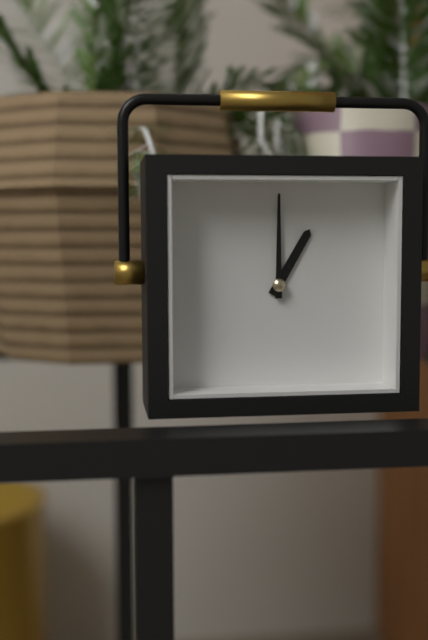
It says 1:00
